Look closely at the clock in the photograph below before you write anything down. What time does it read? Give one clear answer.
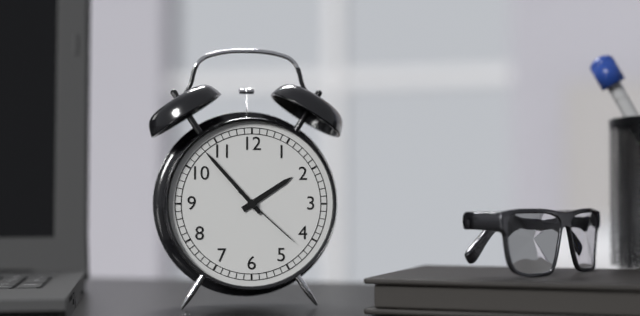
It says 1:53:22
